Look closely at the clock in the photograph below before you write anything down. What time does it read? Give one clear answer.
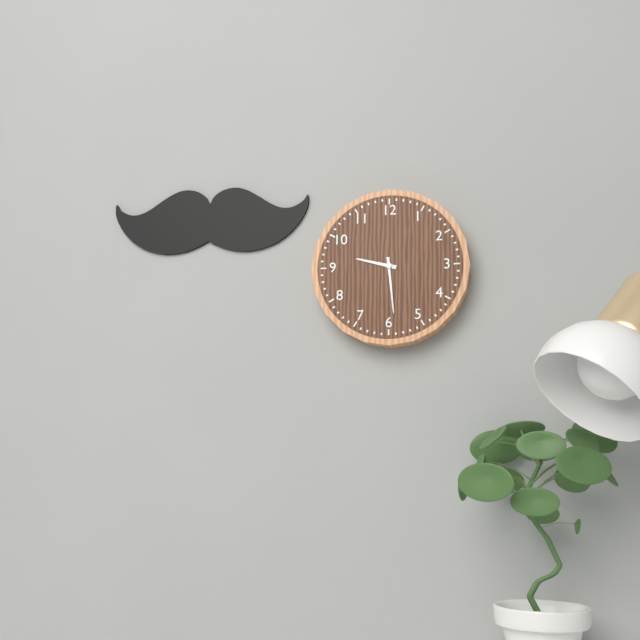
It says 9:29
